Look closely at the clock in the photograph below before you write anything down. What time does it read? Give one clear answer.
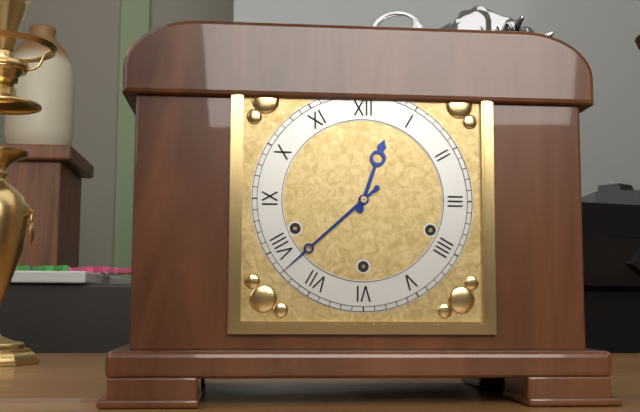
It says 12:38
